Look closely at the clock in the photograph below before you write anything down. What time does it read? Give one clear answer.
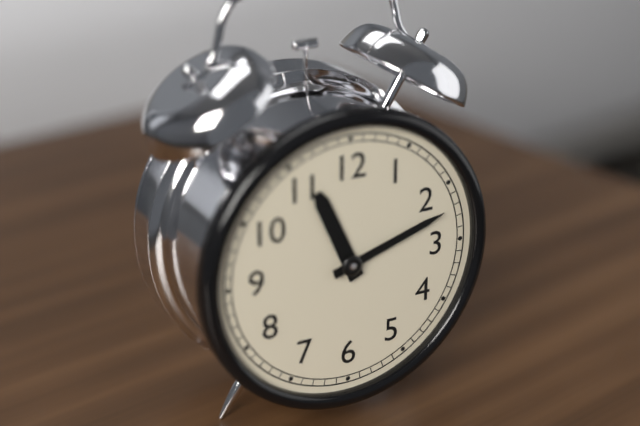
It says 11:12
